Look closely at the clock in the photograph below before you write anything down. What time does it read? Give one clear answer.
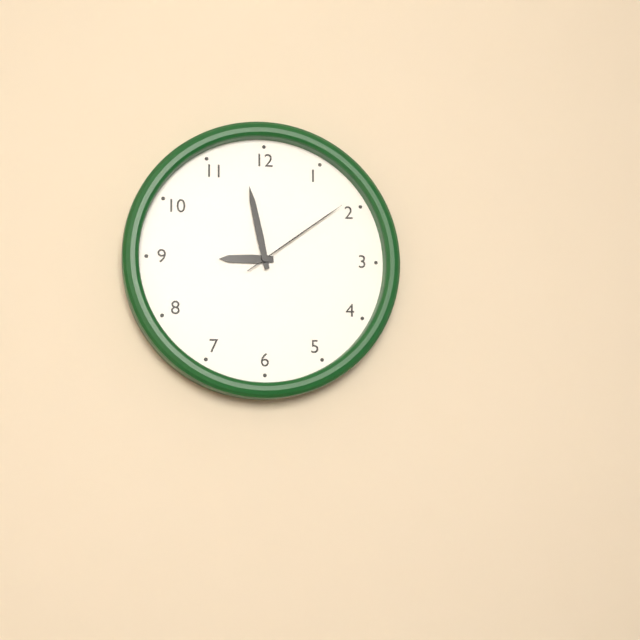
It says 8:58:09
